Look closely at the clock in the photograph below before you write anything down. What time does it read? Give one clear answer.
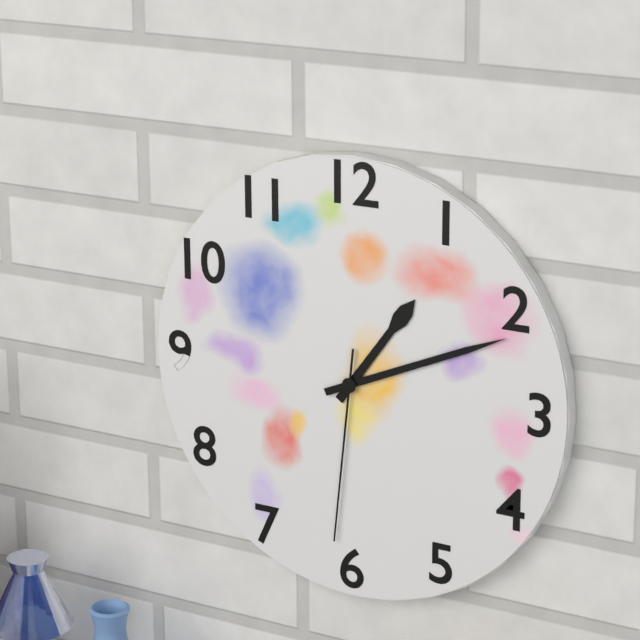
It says 1:11:31
